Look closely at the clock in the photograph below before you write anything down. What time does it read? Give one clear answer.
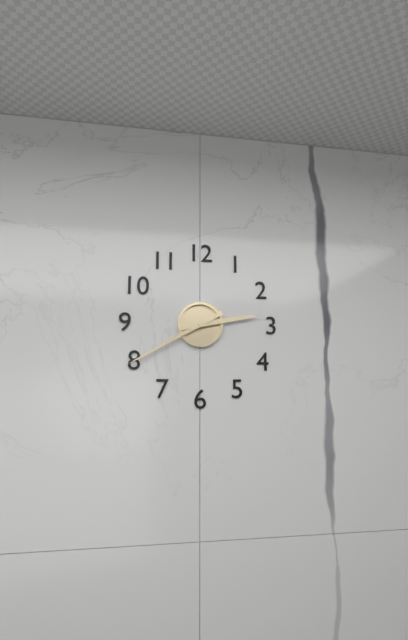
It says 2:40
